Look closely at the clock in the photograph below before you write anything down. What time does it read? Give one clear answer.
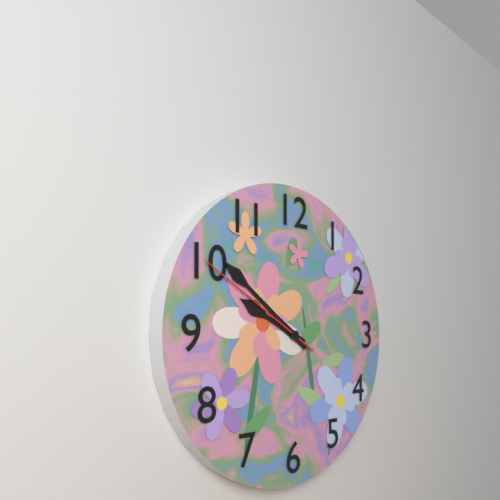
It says 9:51:50
